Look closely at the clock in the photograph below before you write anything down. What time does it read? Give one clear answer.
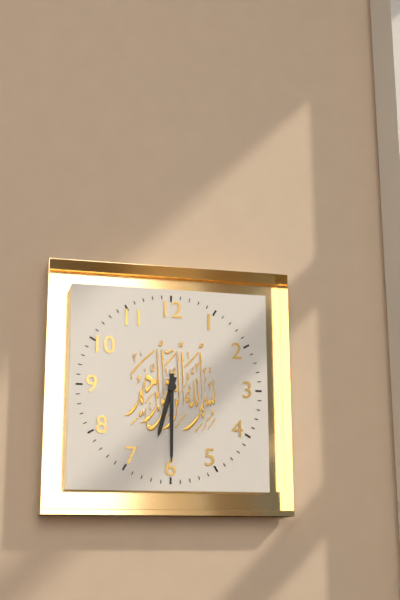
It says 6:30
